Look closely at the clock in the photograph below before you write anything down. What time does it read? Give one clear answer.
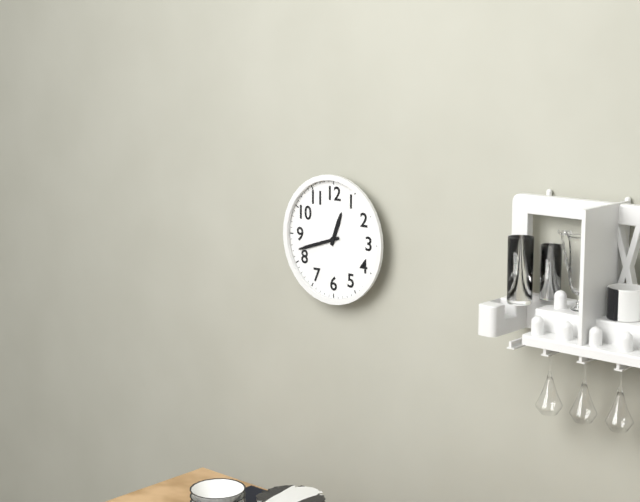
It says 12:42
